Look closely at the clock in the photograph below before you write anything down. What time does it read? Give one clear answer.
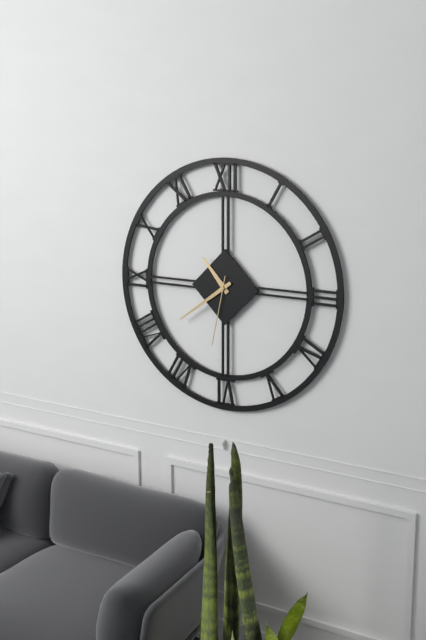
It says 10:39:32
